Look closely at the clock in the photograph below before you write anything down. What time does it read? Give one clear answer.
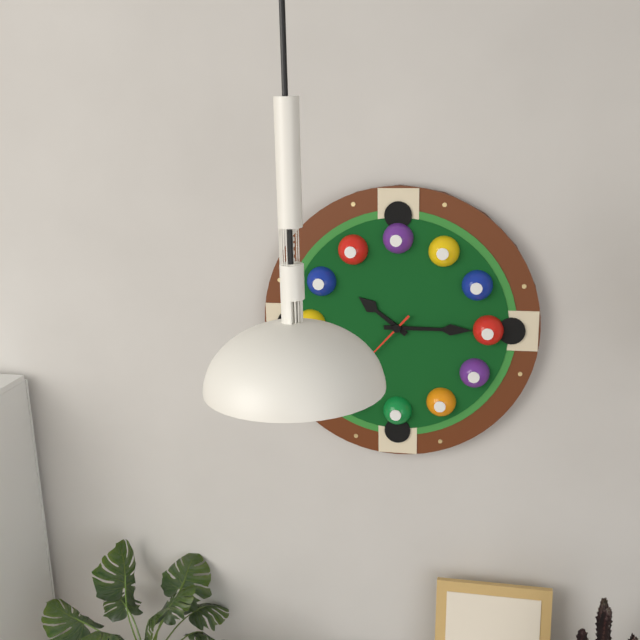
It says 10:15
